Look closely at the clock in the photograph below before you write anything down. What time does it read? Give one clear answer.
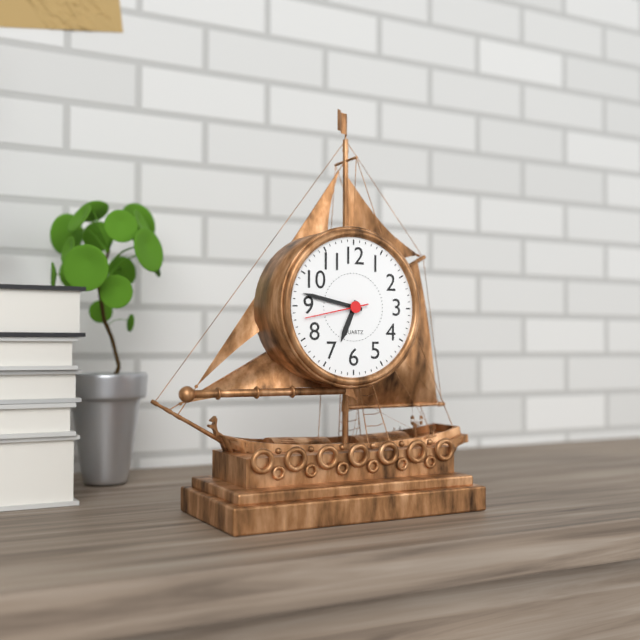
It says 6:47:43
